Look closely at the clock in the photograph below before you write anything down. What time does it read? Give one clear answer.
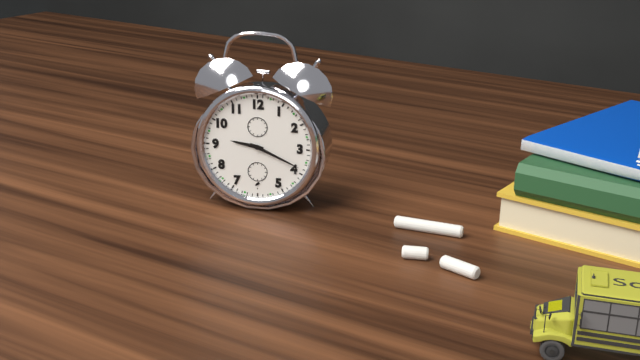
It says 9:19
